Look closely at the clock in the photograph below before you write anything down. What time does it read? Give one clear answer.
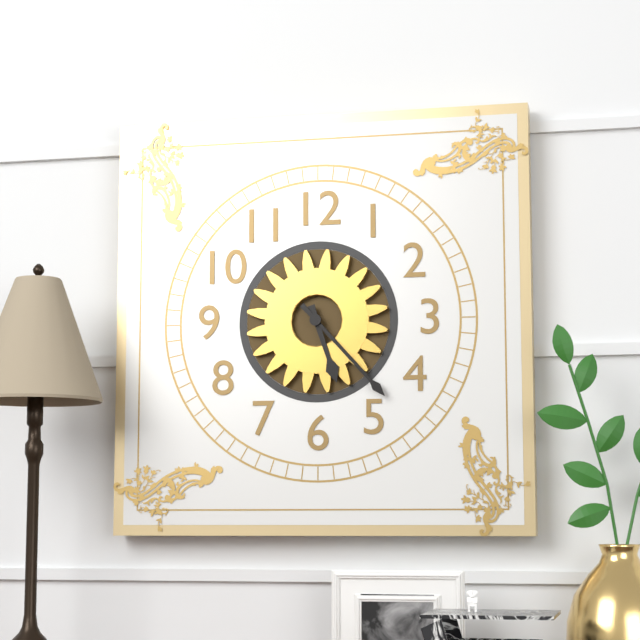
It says 5:23
